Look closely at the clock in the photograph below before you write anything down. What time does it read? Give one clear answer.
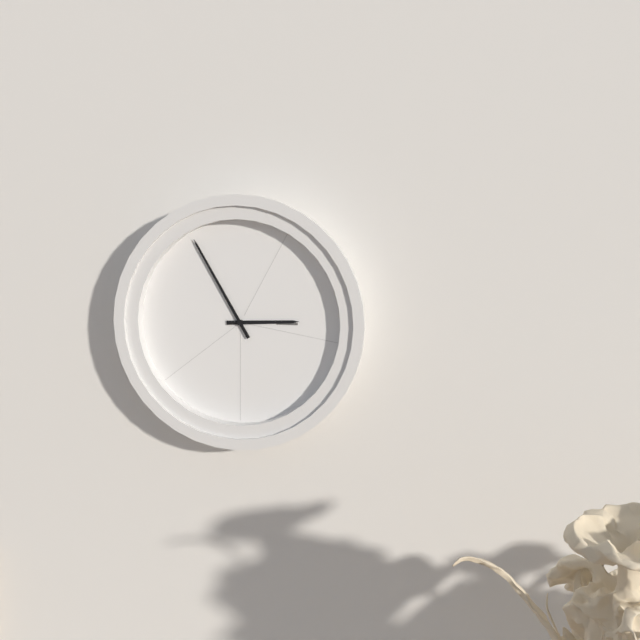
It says 2:55
